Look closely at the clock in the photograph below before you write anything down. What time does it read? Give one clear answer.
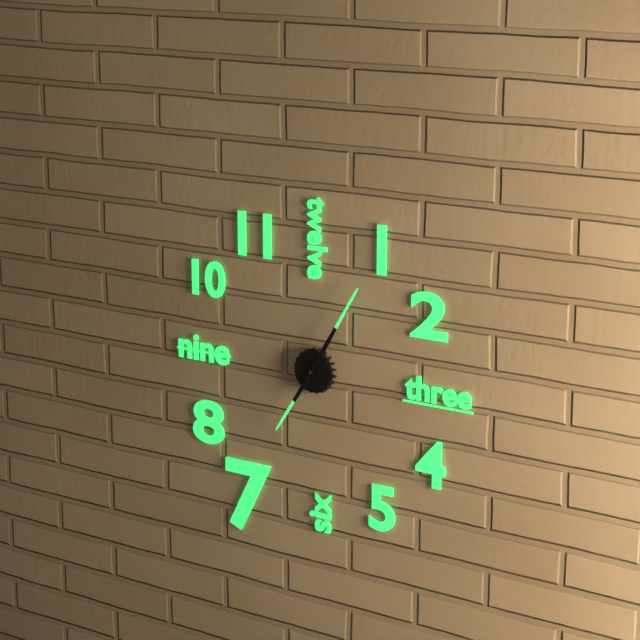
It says 7:05
